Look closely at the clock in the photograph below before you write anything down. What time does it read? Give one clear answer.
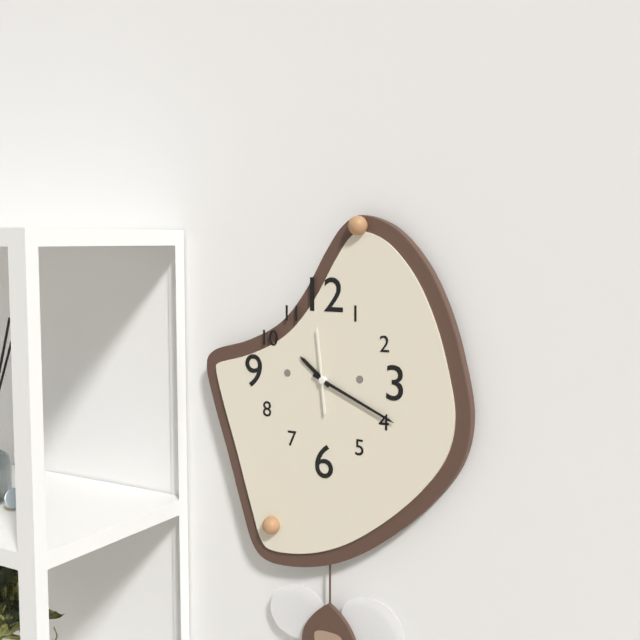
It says 10:19:59
